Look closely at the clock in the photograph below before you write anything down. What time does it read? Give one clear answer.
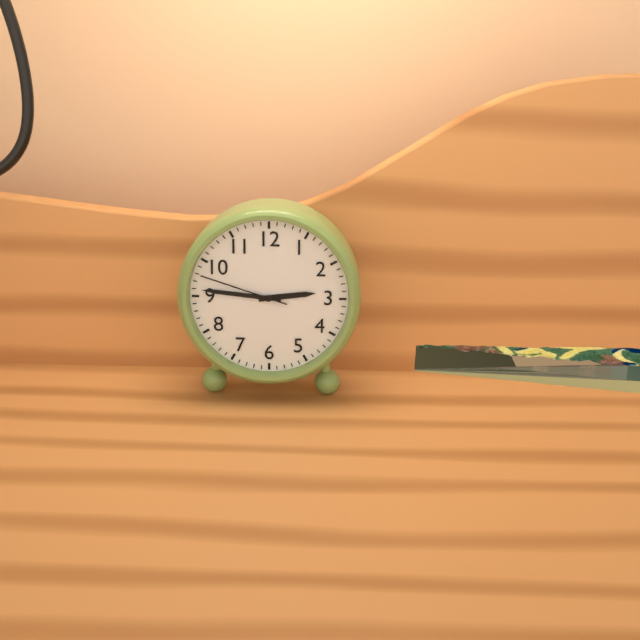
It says 2:46:48
